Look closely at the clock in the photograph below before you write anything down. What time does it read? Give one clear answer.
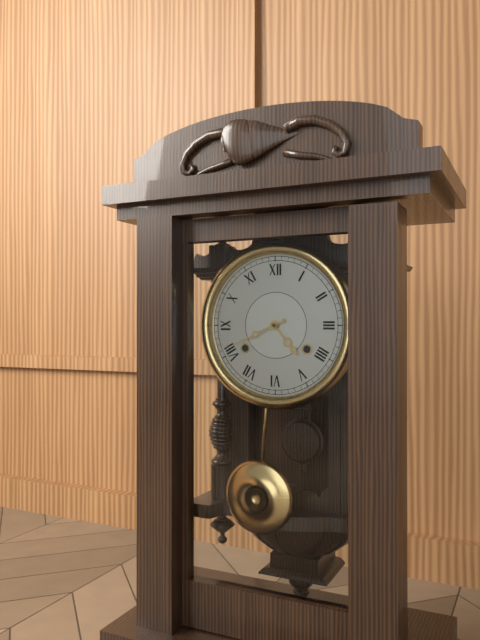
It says 4:41
